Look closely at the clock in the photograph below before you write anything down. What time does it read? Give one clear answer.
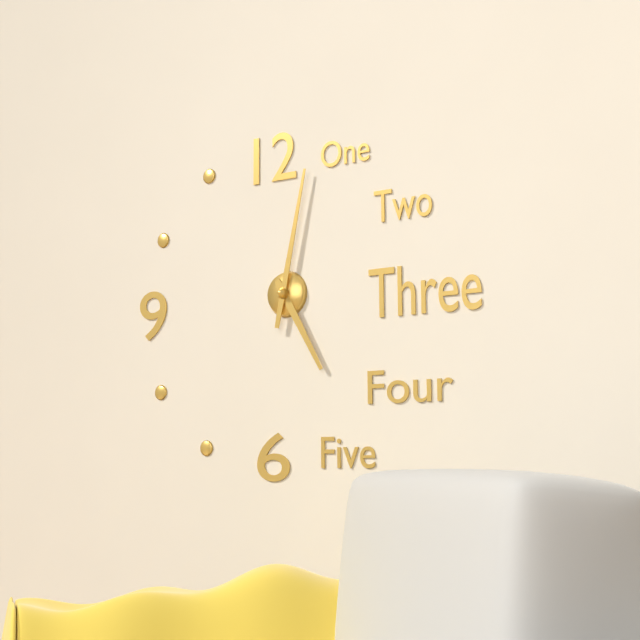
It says 5:02
